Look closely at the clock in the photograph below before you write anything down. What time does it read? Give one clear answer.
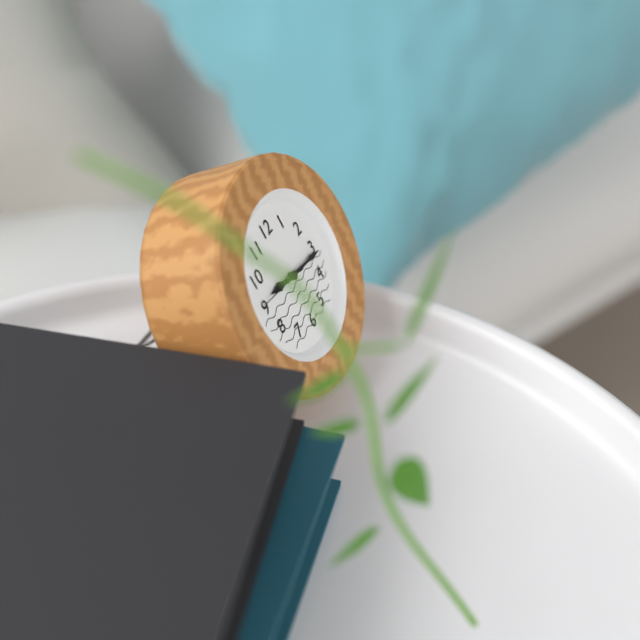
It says 9:16:46
